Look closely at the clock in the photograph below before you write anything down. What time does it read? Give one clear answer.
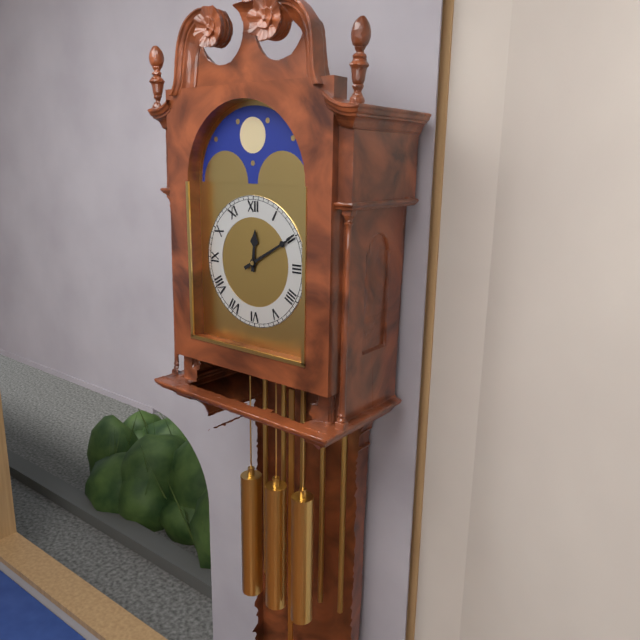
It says 12:10
